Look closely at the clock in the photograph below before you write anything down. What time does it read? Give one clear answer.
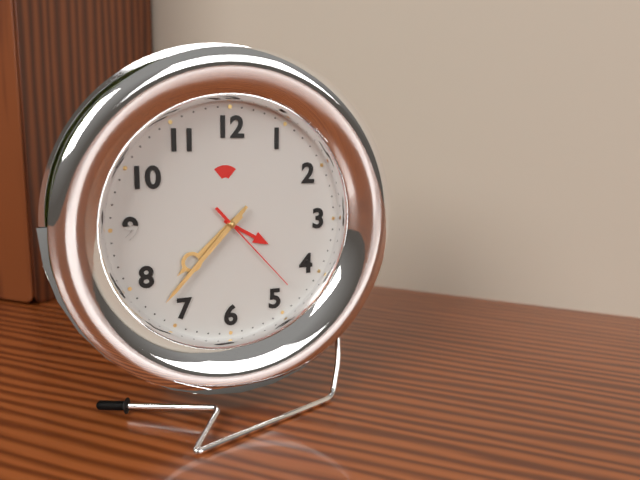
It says 7:37:23
